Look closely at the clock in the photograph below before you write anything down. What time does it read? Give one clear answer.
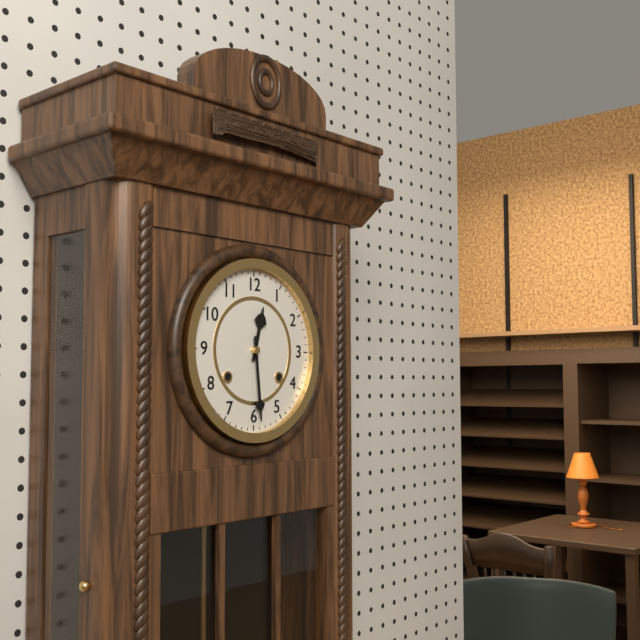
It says 12:29
